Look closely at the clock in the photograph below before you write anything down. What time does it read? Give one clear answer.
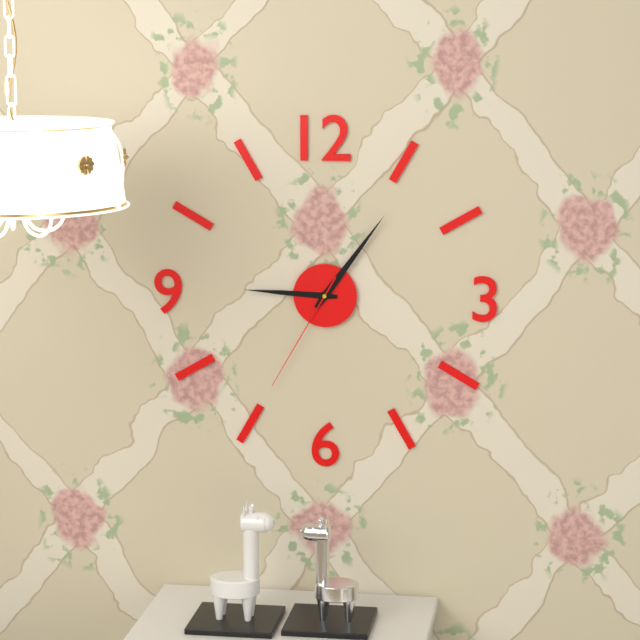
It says 9:06:35
